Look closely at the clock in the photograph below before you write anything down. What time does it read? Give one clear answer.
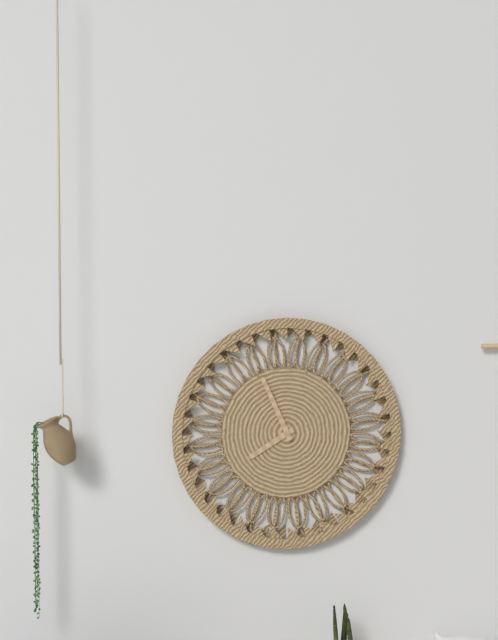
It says 7:56
